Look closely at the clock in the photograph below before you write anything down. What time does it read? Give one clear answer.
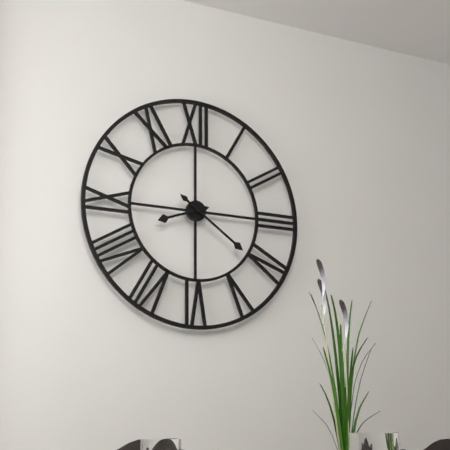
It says 8:21
